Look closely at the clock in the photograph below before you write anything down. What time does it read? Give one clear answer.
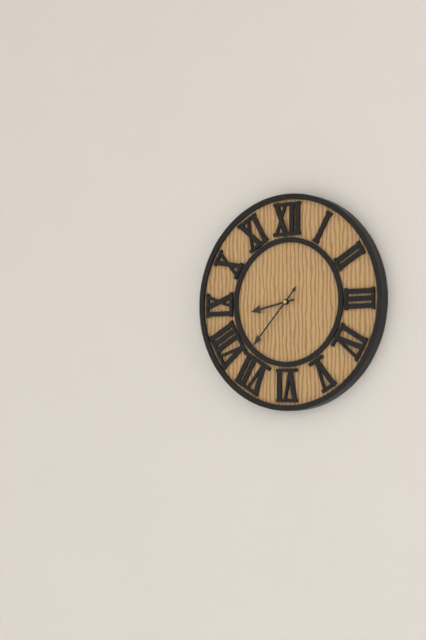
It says 8:37
